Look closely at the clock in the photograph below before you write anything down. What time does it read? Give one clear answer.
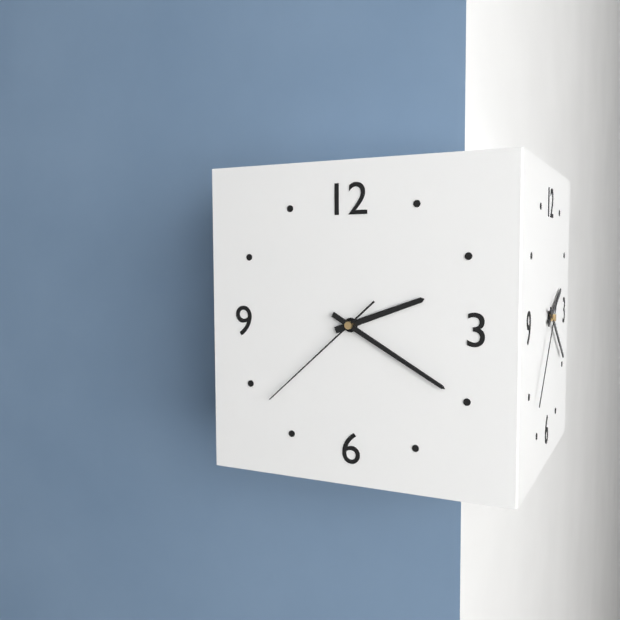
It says 2:20:38
